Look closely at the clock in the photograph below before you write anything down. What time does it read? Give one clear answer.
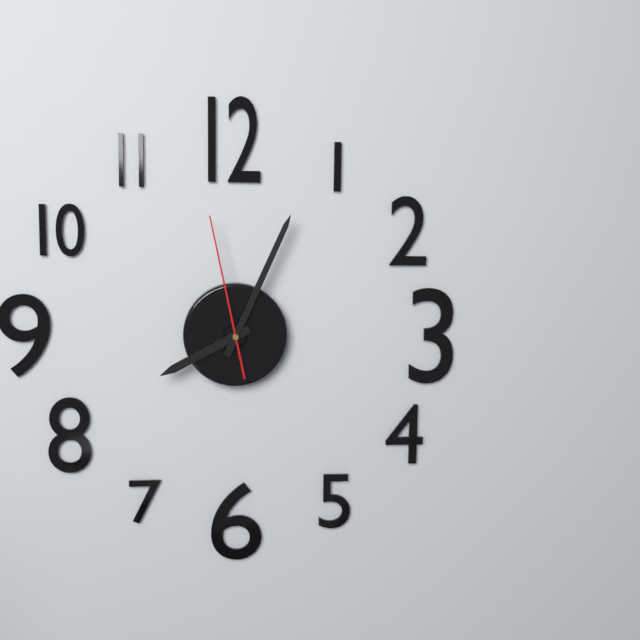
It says 8:04:58
